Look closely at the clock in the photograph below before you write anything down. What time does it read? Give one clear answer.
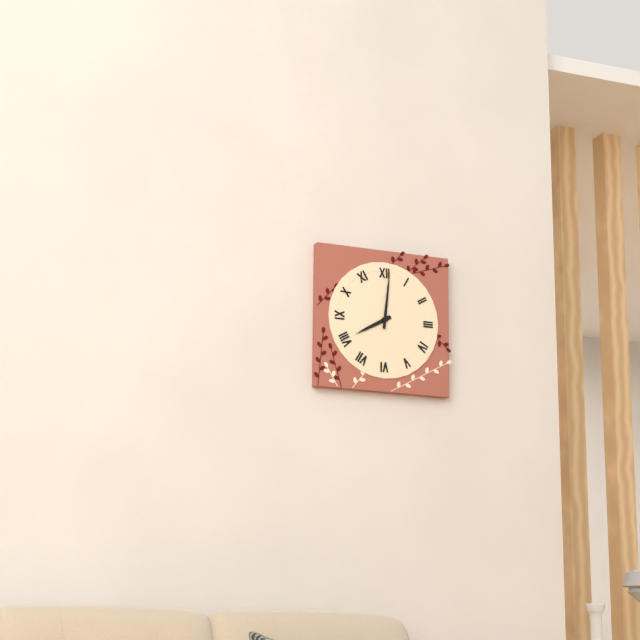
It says 8:01
